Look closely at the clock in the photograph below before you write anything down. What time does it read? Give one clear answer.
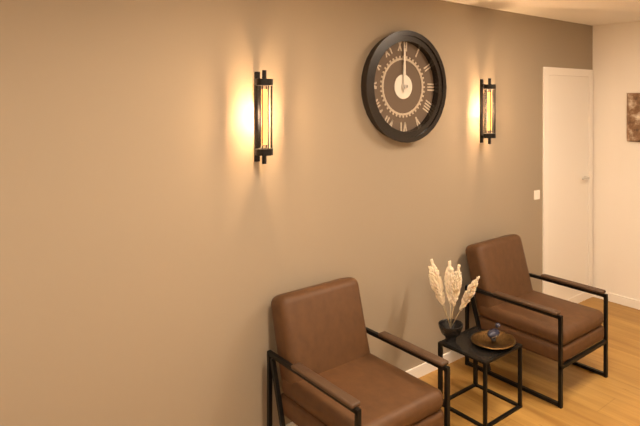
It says 12:00
